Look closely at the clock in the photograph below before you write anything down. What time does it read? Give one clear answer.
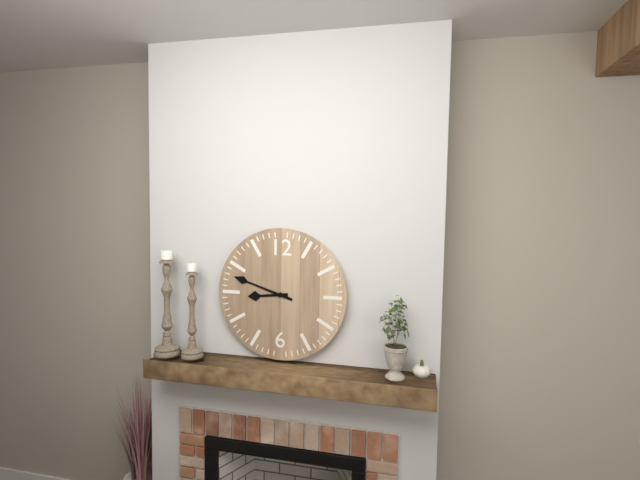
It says 8:48
